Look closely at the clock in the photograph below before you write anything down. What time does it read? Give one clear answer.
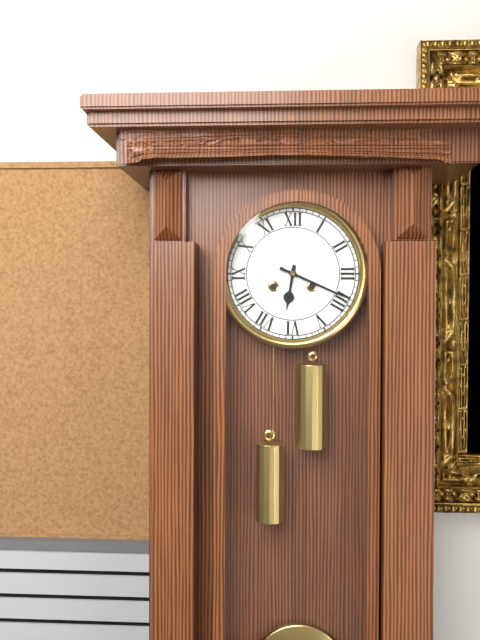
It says 6:19
